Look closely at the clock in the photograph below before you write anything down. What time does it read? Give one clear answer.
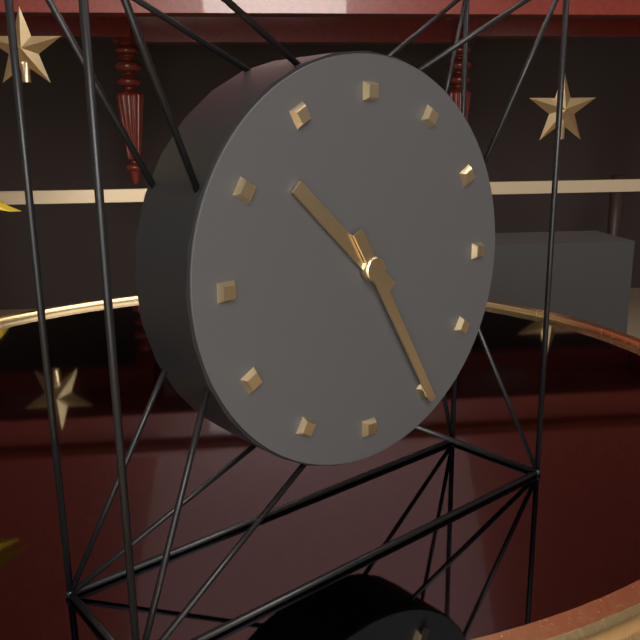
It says 10:25
